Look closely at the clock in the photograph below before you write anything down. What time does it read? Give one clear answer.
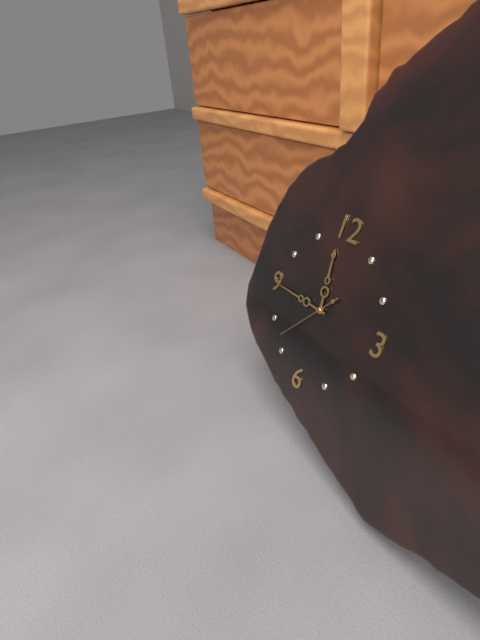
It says 11:45:37
